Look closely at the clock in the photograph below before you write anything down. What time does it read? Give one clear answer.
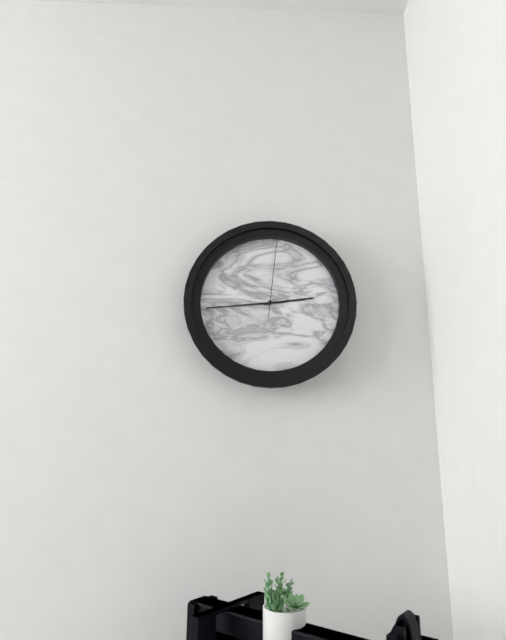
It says 2:44:01
